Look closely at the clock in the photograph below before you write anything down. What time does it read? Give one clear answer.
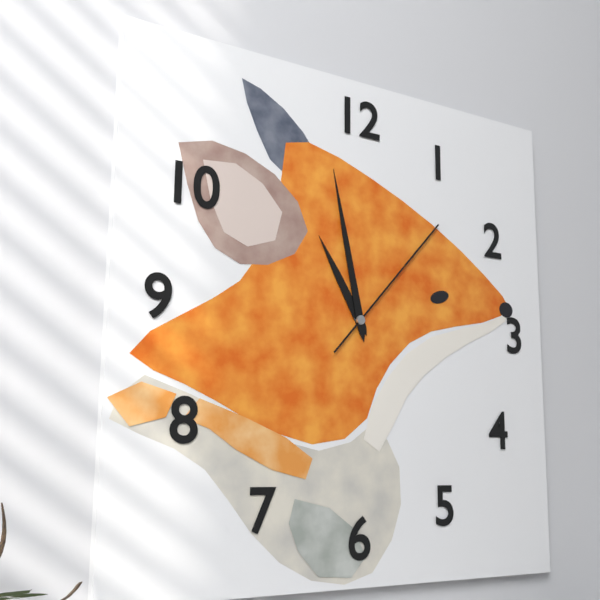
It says 10:58:07
